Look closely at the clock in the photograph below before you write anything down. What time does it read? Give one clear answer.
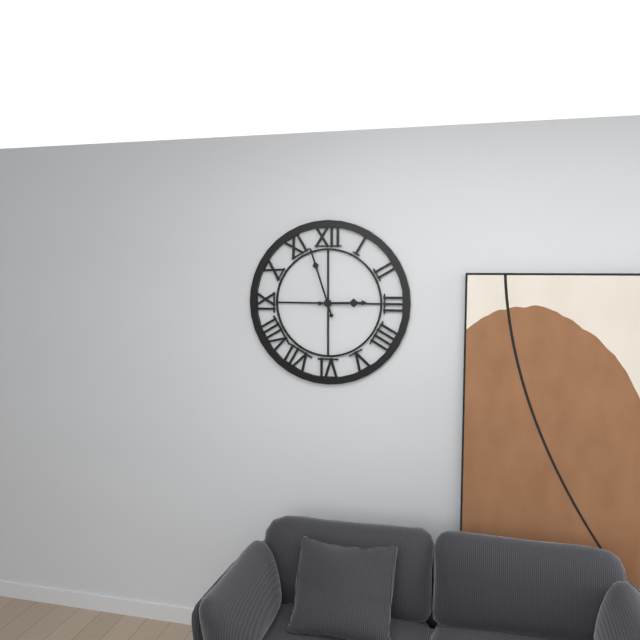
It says 2:57
